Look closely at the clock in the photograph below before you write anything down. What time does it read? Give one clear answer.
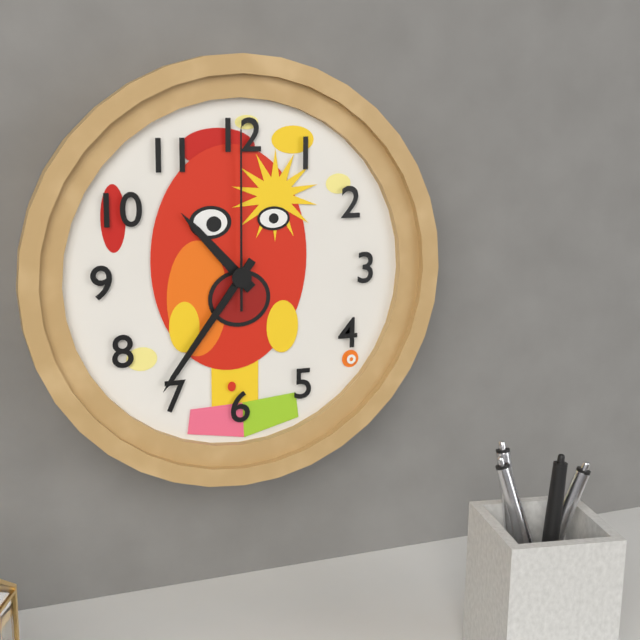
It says 10:36:00
